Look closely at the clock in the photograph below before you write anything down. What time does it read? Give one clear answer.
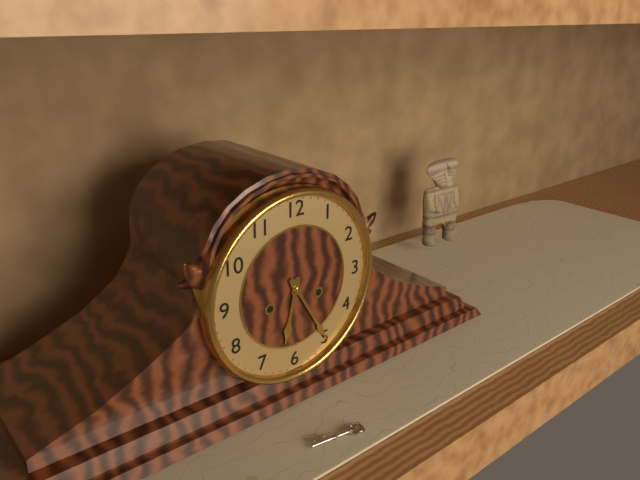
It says 6:25
